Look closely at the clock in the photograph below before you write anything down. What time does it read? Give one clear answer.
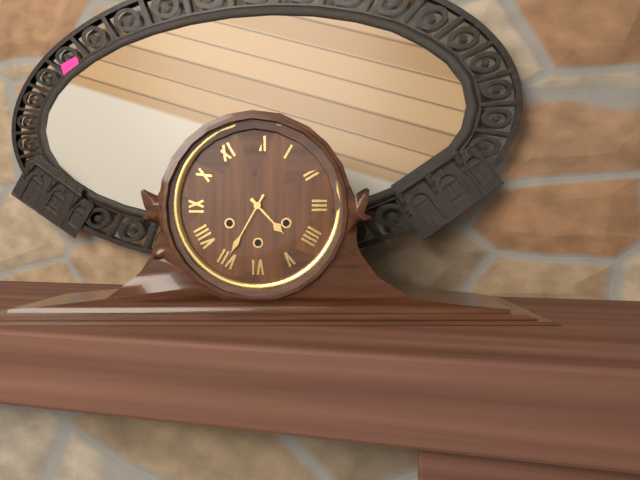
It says 4:35
